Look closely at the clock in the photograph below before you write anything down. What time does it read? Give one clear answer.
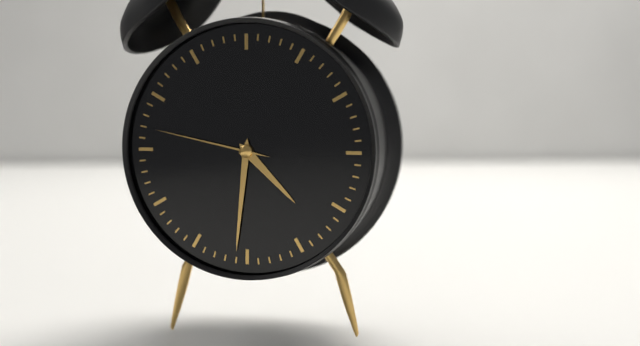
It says 4:31:47
